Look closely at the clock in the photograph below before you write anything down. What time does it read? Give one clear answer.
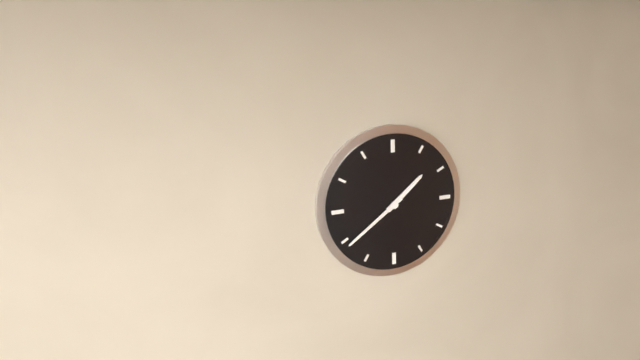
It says 1:39
